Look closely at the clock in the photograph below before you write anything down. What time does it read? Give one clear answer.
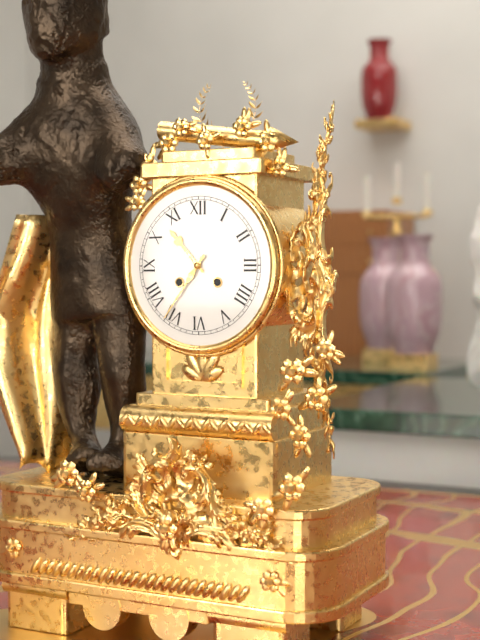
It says 10:36
